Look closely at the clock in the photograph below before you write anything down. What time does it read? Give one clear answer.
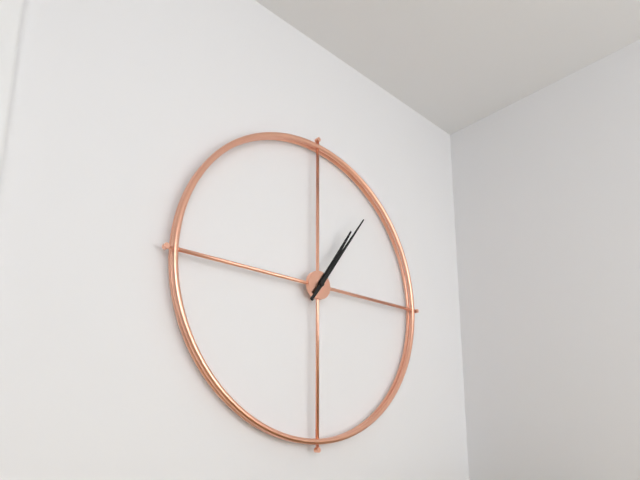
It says 1:06
